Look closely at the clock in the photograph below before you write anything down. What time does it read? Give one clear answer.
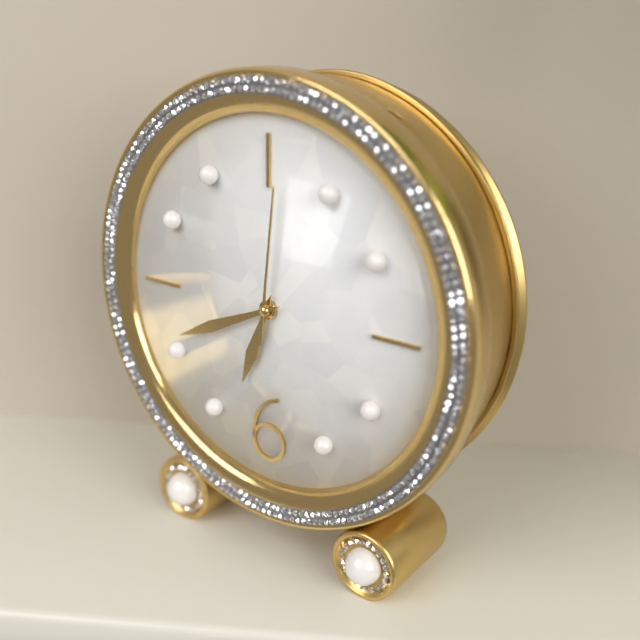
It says 6:41:01
